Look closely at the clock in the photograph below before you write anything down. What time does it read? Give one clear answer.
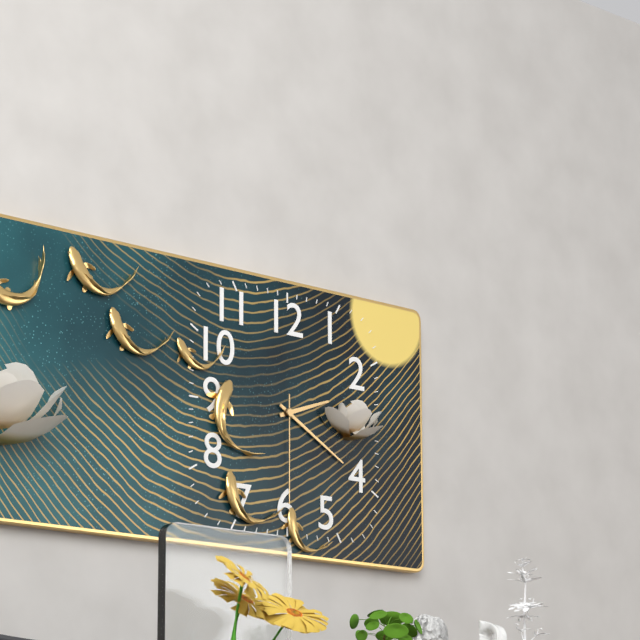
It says 2:20:30
